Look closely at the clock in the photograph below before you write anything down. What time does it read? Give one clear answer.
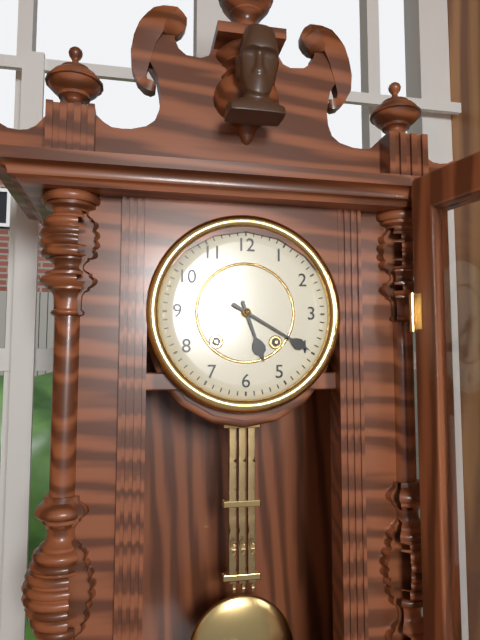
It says 5:20
